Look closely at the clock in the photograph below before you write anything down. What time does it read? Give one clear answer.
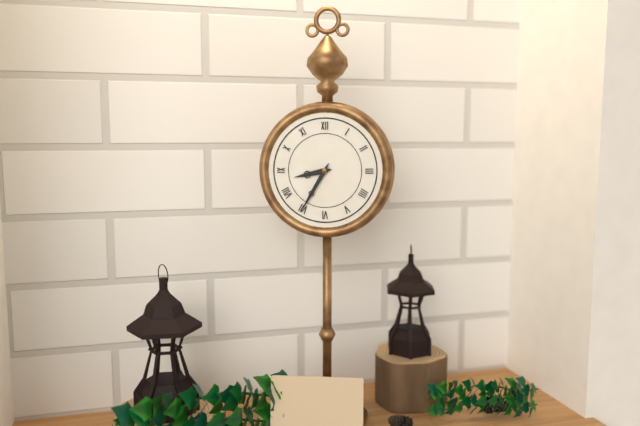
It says 8:35
